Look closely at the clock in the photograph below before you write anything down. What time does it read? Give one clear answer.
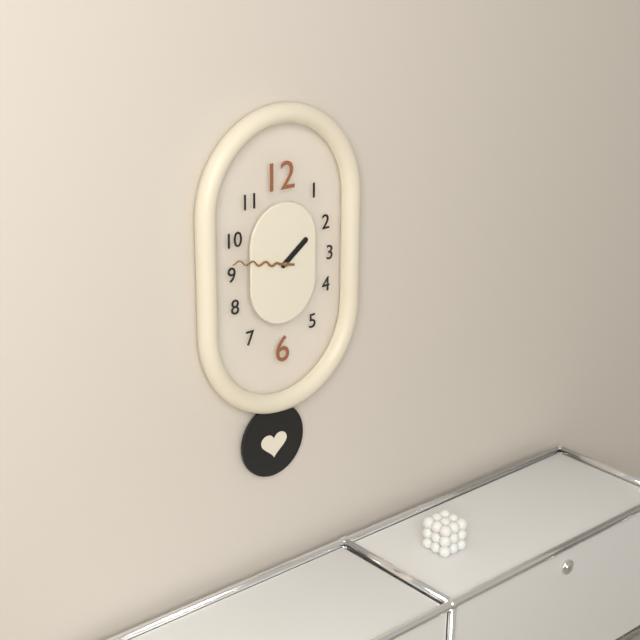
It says 1:47
